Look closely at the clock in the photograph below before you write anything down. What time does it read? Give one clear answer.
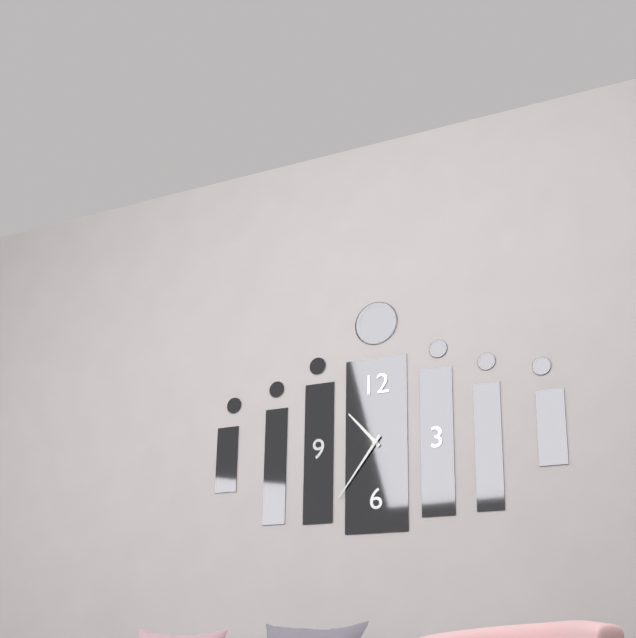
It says 10:36
